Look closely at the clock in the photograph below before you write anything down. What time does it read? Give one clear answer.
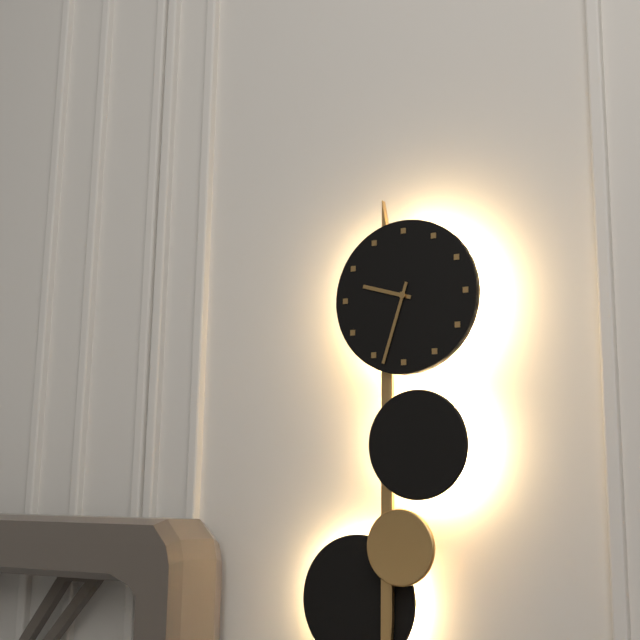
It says 9:33
